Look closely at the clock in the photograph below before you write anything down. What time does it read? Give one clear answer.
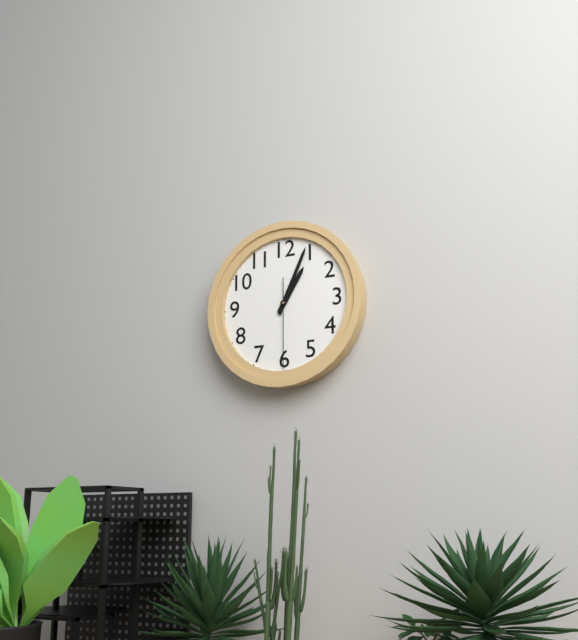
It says 1:04:30
